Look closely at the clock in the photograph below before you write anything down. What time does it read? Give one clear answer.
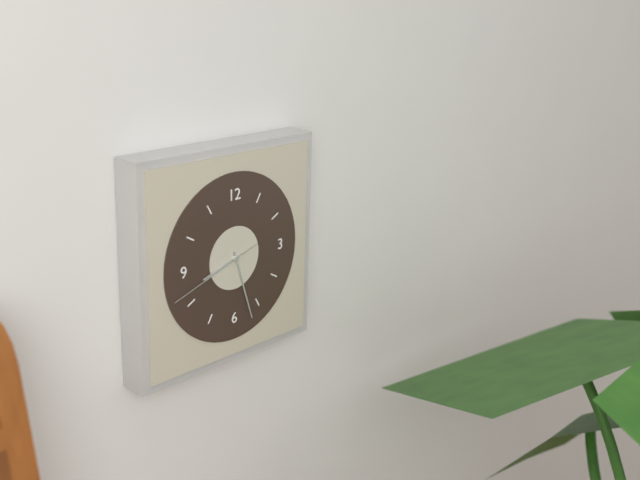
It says 8:27:42
